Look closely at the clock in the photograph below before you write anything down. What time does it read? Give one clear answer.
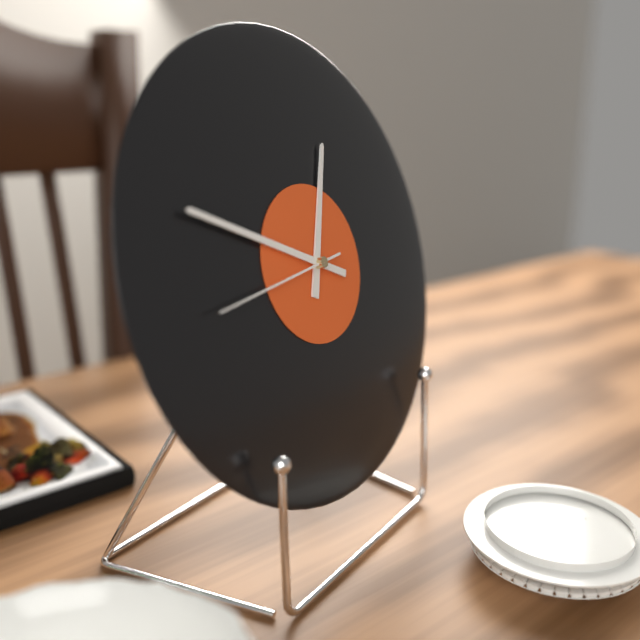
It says 12:49:44
